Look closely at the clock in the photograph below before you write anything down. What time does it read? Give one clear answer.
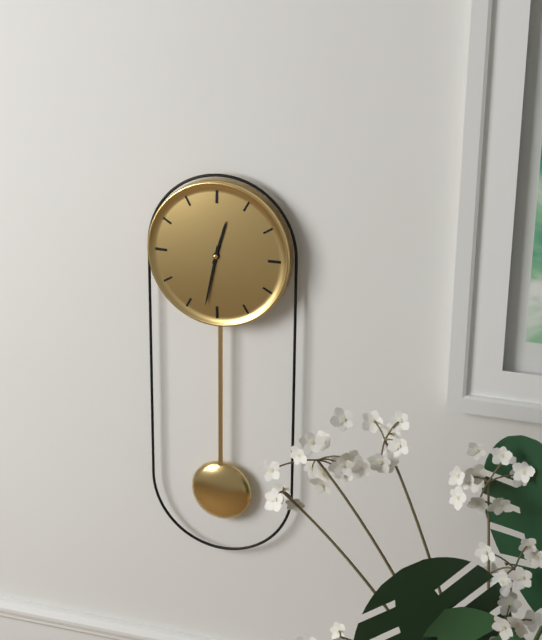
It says 12:32
